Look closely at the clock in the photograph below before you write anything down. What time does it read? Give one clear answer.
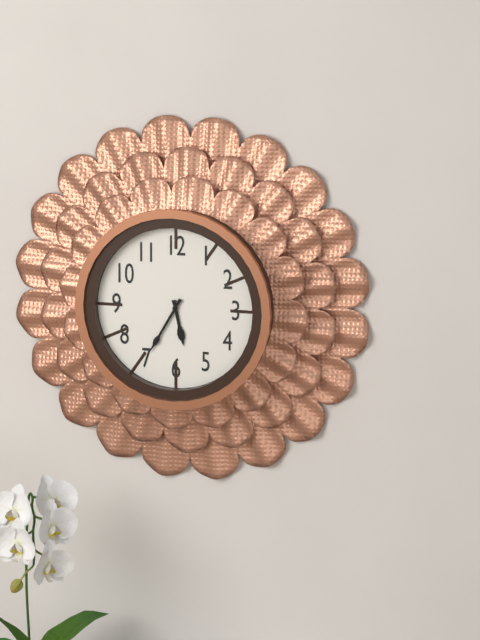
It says 5:35
